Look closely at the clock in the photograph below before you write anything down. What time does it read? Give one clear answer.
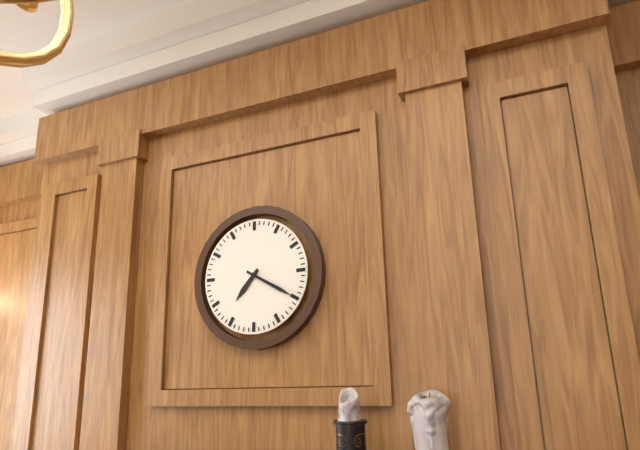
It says 7:20
